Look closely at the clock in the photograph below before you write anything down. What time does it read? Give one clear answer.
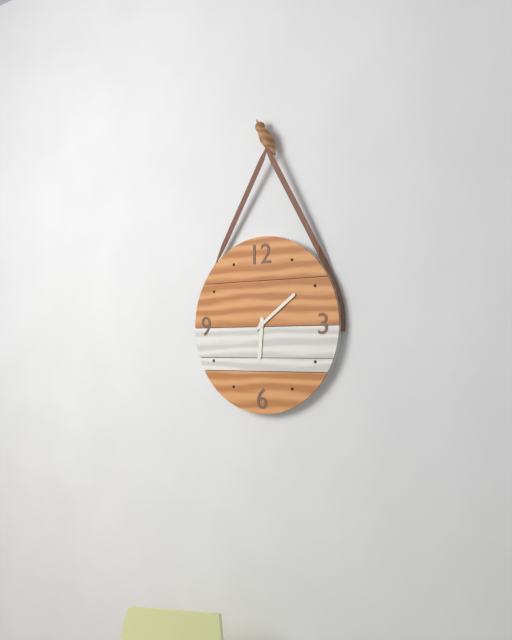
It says 6:09
